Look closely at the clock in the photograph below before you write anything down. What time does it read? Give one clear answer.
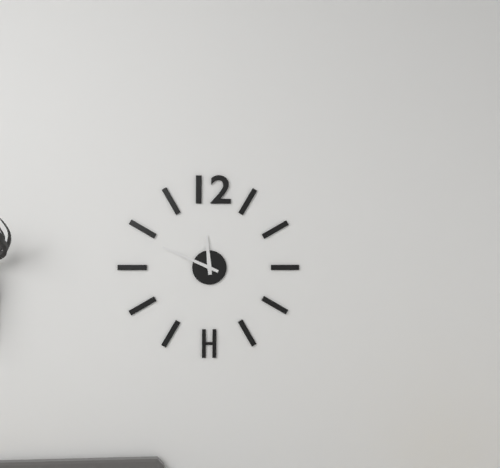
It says 11:49
